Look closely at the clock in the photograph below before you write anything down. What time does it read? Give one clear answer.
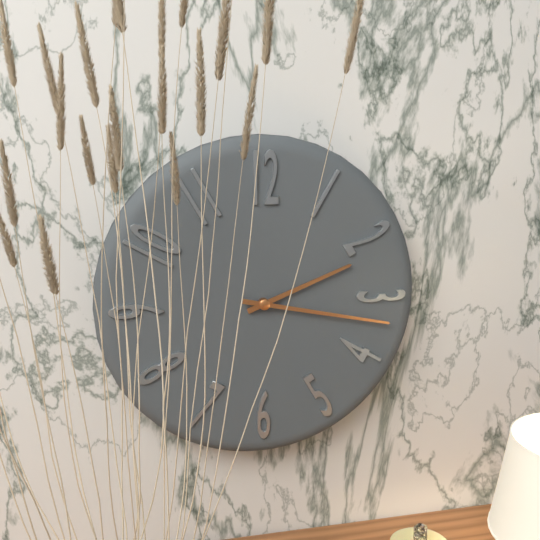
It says 2:17
